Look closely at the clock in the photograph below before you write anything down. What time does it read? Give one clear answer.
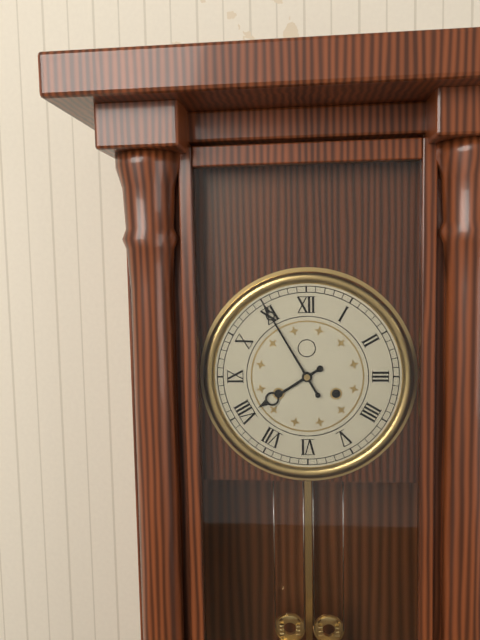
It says 7:55
